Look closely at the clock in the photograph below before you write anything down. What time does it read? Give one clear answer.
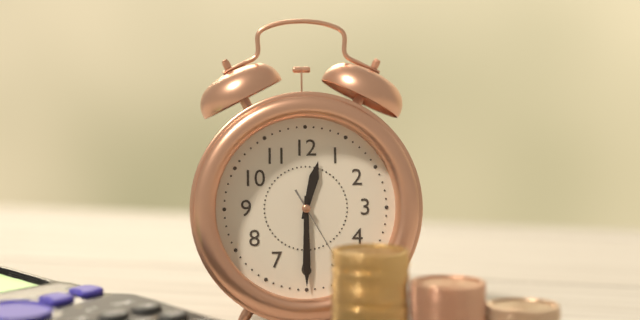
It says 12:30
